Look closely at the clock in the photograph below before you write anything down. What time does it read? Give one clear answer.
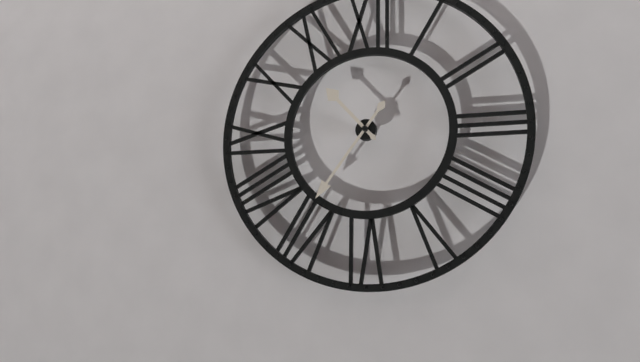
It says 10:36
